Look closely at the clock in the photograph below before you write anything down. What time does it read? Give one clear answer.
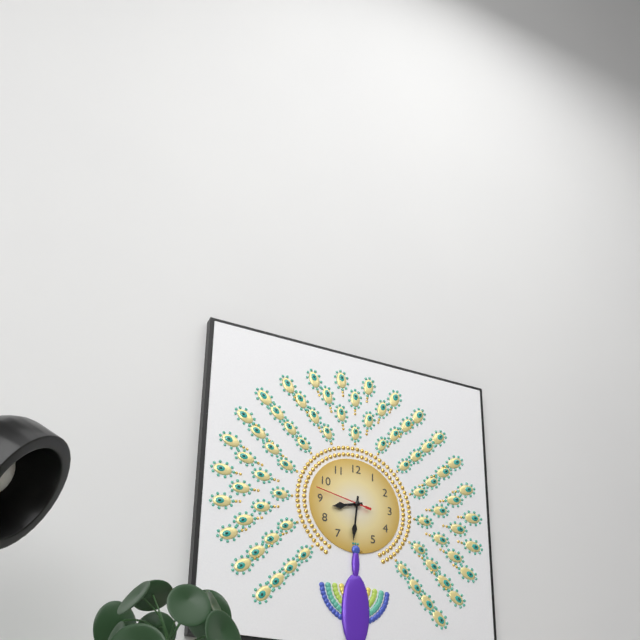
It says 8:31:47
